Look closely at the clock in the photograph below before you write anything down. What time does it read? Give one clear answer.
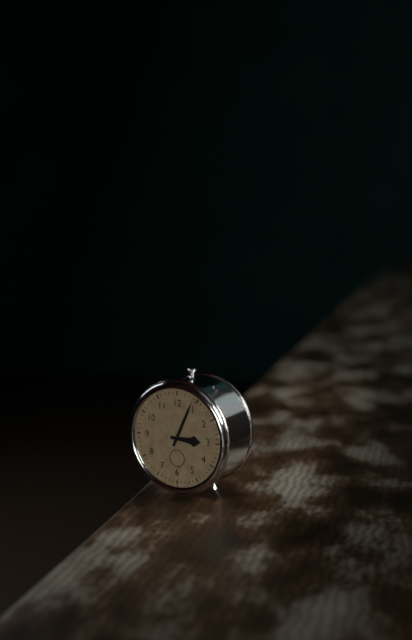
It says 3:04
